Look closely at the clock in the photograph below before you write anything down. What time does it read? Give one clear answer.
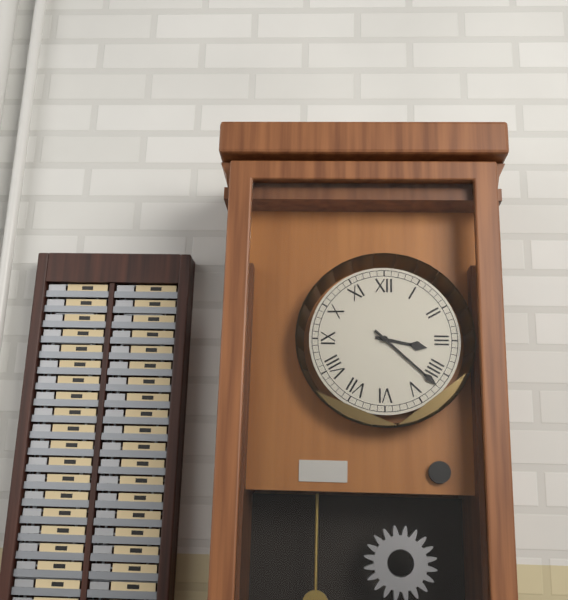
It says 3:22
